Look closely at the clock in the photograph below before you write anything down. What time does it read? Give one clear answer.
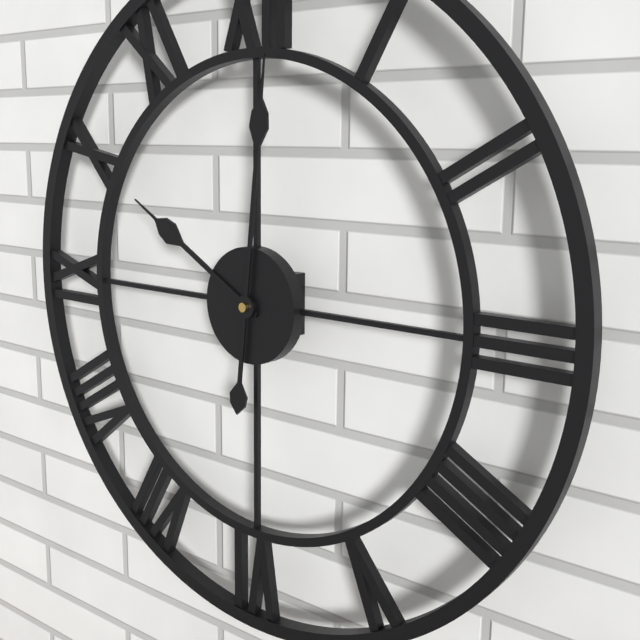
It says 10:01
